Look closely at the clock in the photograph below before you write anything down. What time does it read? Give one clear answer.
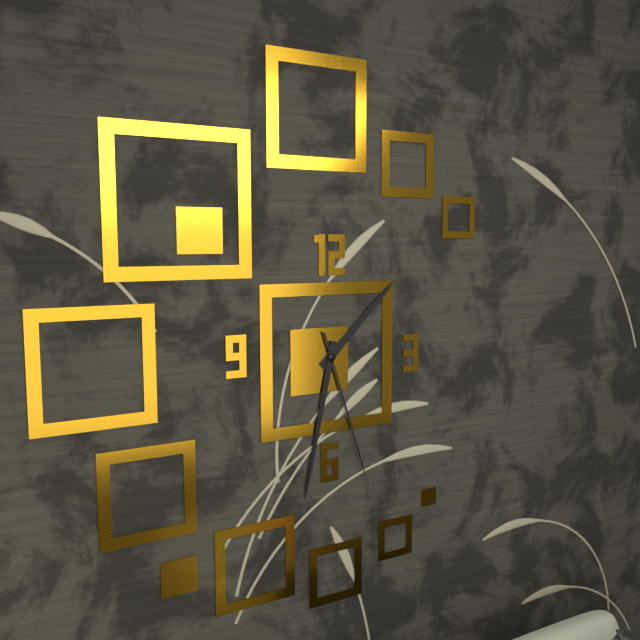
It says 1:32:27
